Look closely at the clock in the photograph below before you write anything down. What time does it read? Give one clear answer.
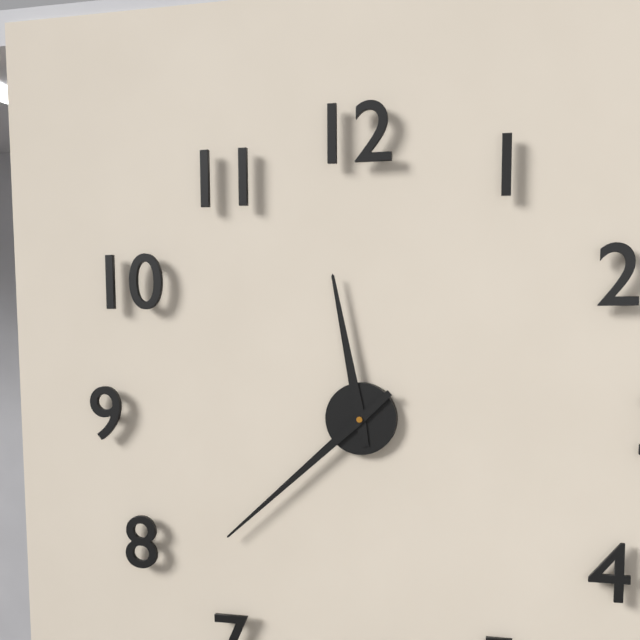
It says 11:38
